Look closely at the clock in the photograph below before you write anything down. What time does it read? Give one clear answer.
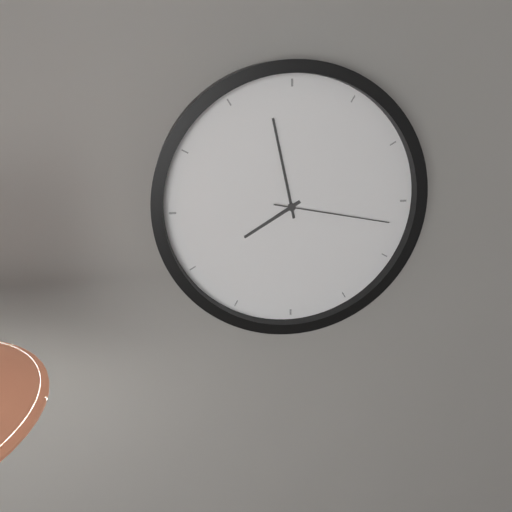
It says 7:58:17
